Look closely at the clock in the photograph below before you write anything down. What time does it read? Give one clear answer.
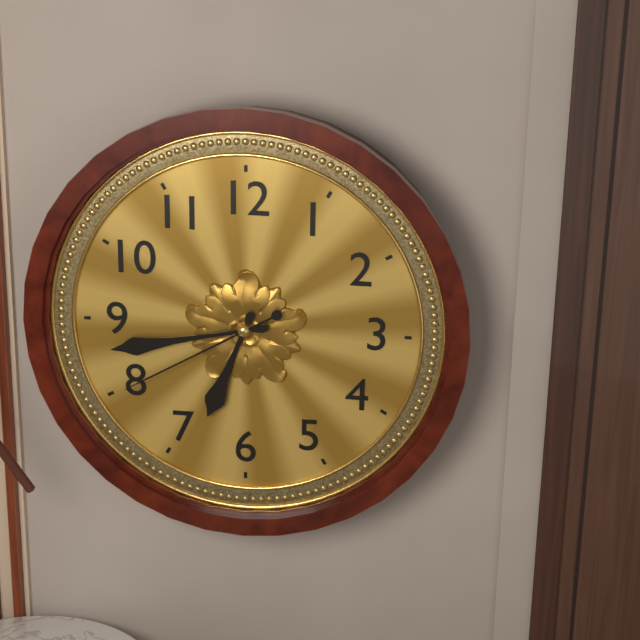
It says 6:43:40
